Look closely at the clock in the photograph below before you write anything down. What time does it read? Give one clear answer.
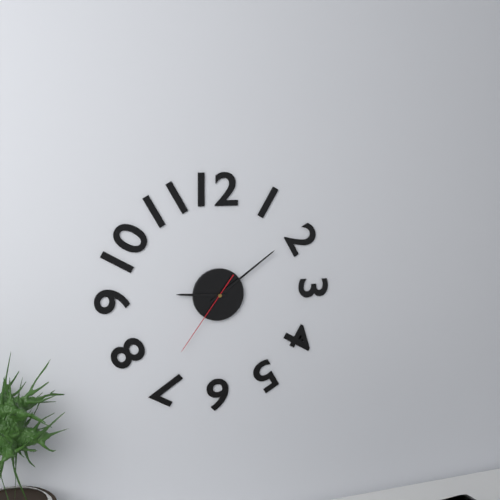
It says 9:09:36
